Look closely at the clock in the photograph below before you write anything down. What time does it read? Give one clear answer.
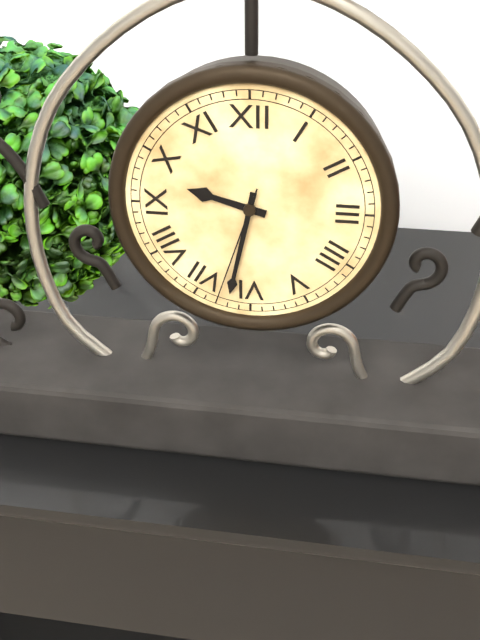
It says 9:32:33
